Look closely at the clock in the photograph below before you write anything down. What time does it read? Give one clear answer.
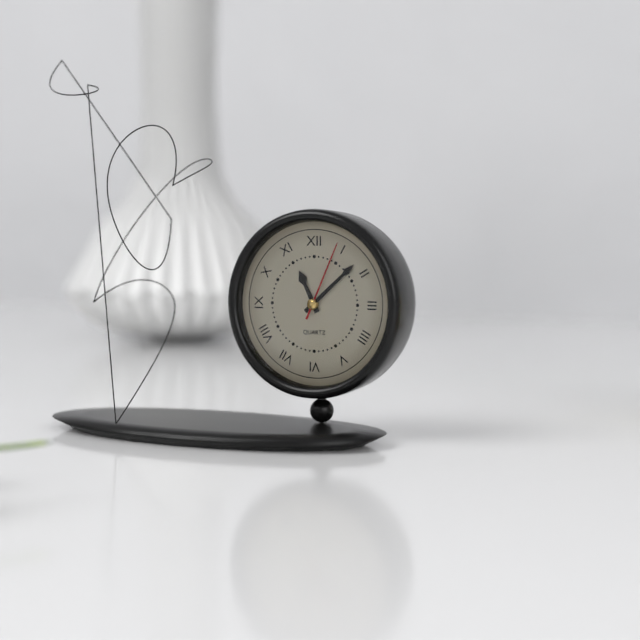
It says 11:08:04
